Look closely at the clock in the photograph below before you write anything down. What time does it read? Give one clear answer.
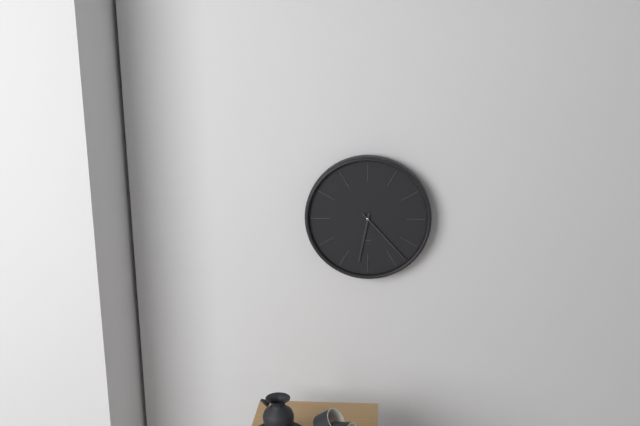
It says 6:23
